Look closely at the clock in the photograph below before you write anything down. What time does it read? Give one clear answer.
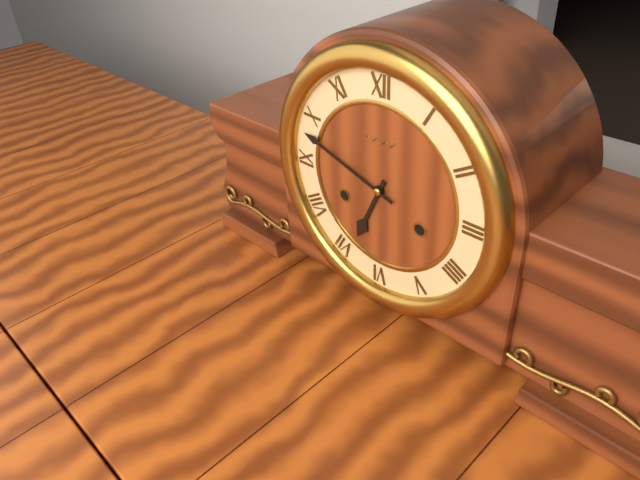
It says 6:48
